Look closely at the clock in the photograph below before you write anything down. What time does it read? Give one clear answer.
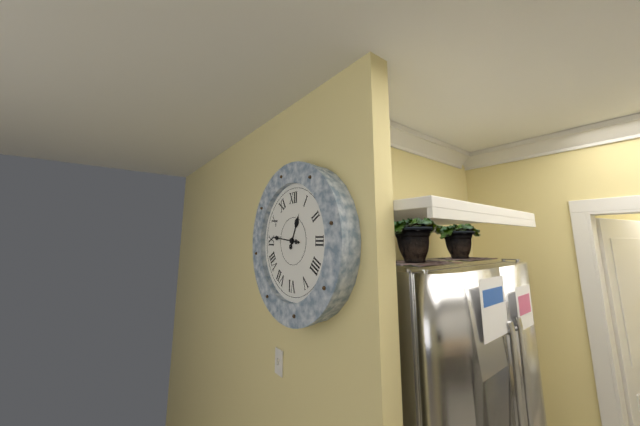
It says 12:46
